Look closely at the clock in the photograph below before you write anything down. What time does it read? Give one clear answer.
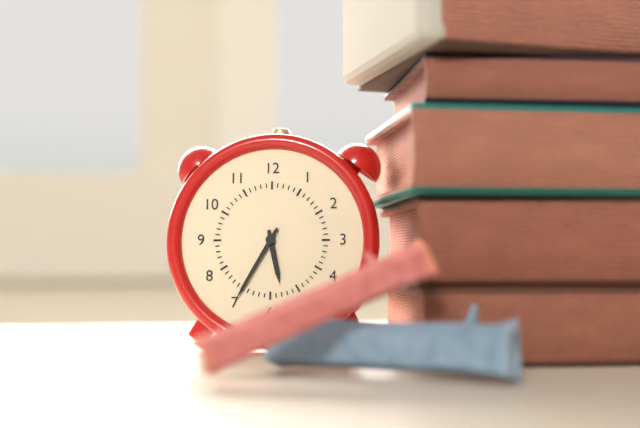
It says 5:35
